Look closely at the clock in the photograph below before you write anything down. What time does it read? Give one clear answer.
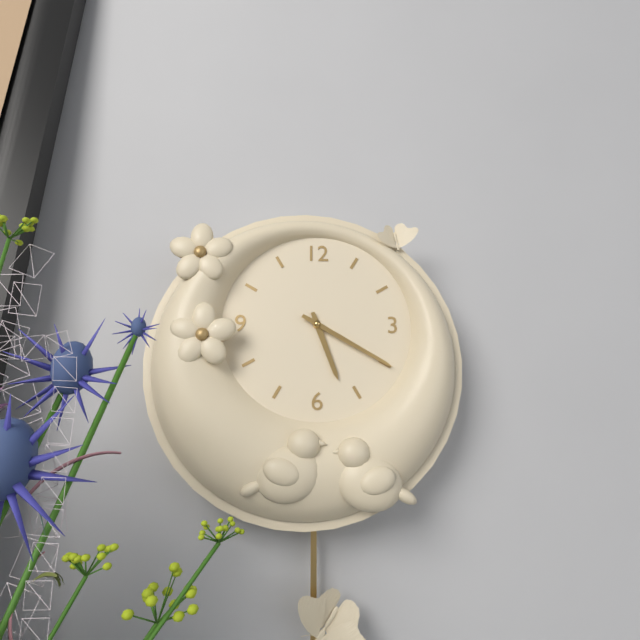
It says 5:20
